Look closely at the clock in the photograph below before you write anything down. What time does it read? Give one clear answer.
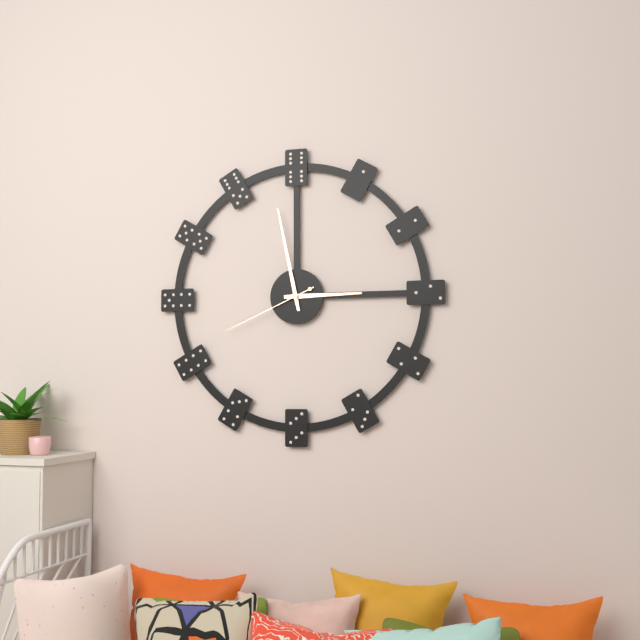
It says 2:58:41
